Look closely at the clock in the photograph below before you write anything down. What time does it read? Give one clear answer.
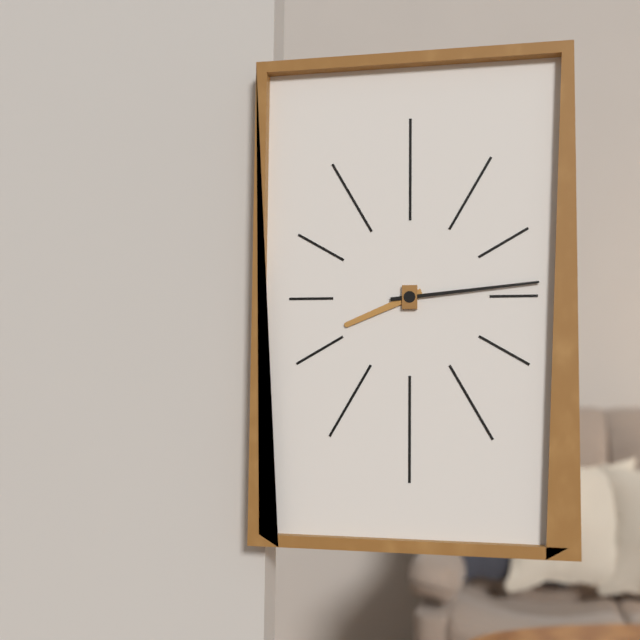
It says 8:14
